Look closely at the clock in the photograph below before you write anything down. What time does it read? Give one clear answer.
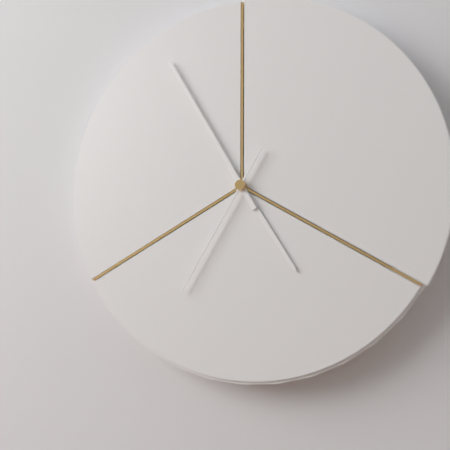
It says 4:55:35
